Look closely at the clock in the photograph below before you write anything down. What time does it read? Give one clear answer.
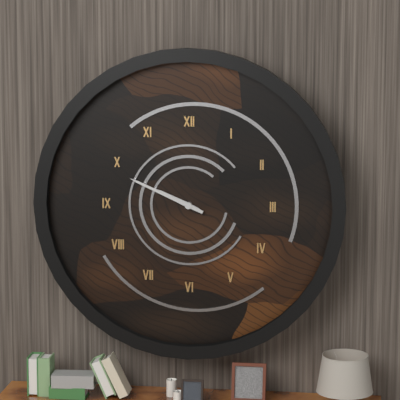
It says 9:49
